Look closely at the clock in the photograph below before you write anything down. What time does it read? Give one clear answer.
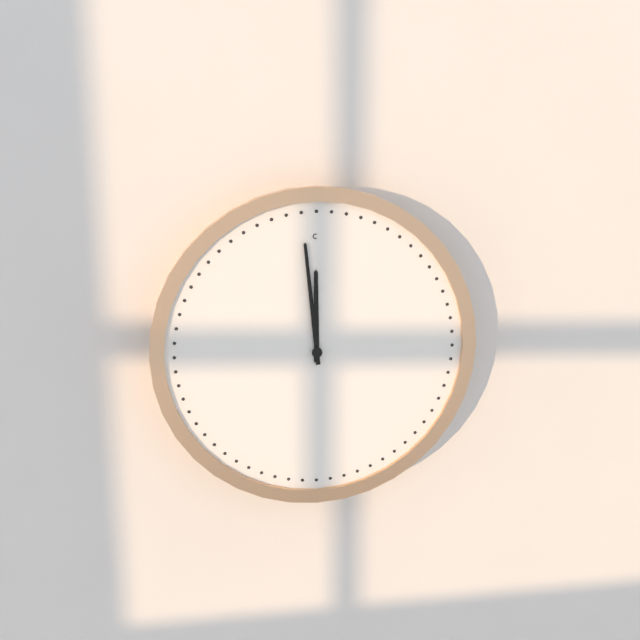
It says 11:59
